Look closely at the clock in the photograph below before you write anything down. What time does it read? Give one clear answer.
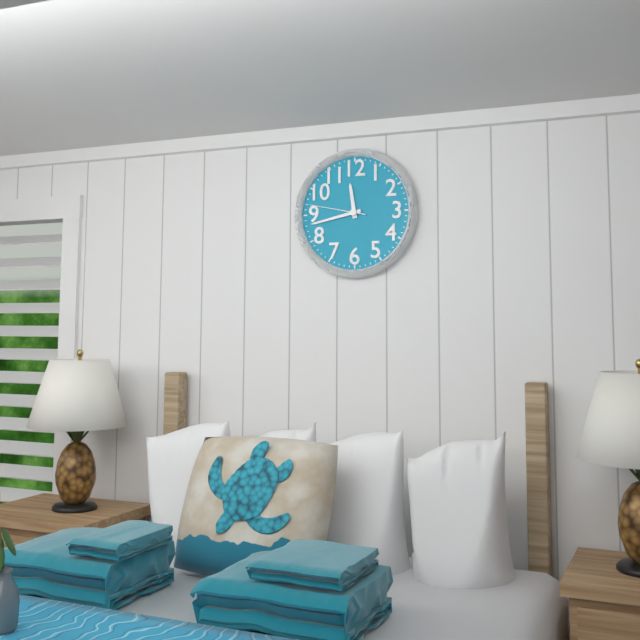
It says 11:43:47
